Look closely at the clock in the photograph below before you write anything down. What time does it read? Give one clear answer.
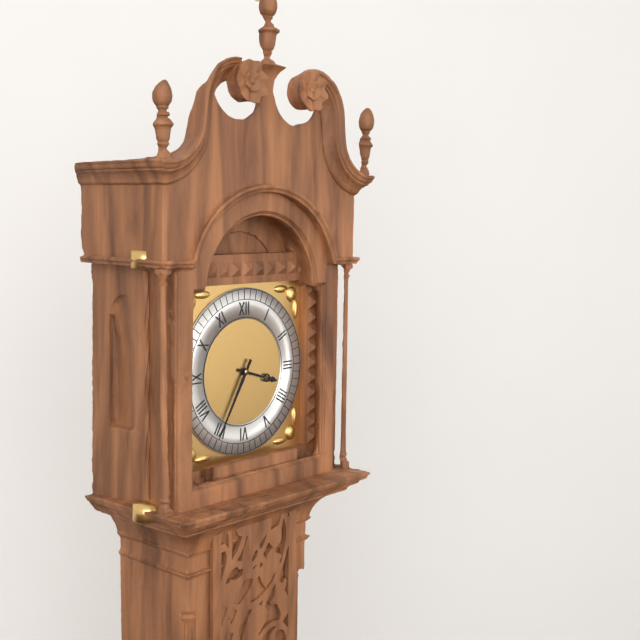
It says 3:35
